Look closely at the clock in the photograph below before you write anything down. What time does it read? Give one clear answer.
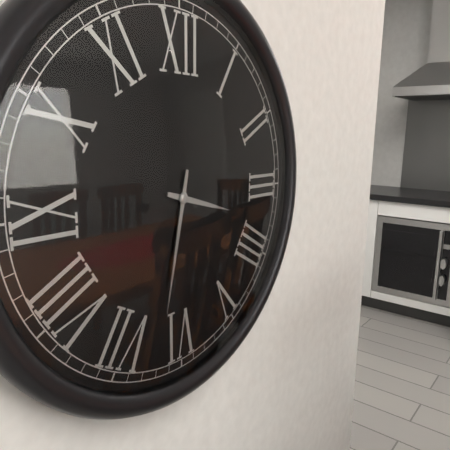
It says 3:32
